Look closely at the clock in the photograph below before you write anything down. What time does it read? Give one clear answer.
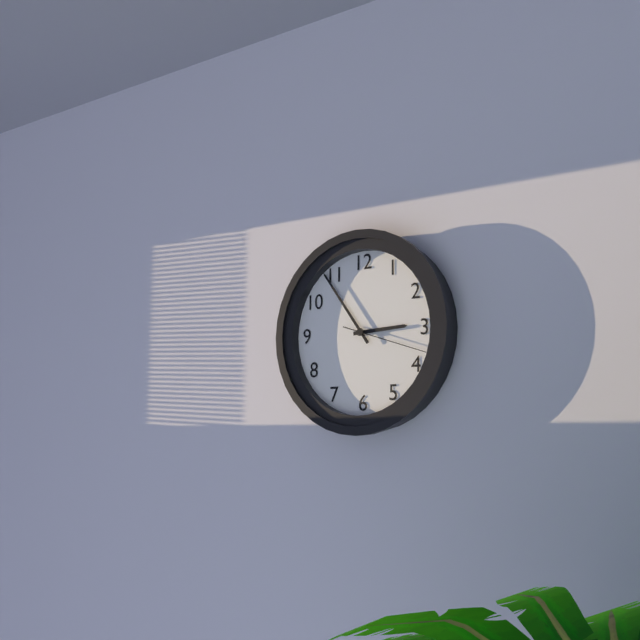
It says 2:54:18
